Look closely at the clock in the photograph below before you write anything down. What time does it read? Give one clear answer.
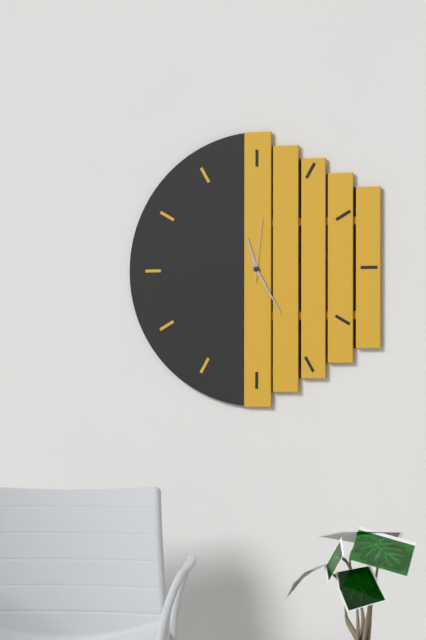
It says 11:25:01
